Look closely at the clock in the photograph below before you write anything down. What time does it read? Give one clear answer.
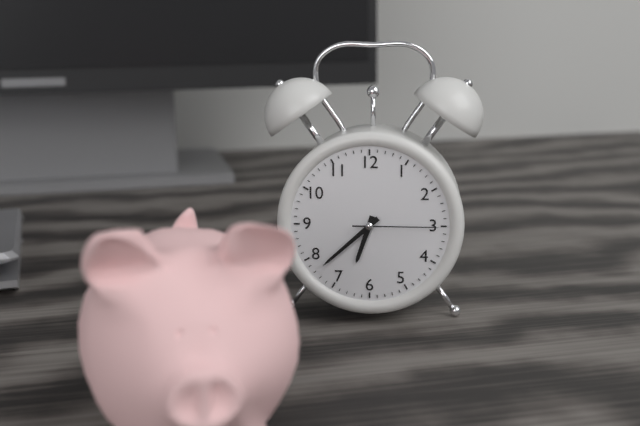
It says 6:38:15
